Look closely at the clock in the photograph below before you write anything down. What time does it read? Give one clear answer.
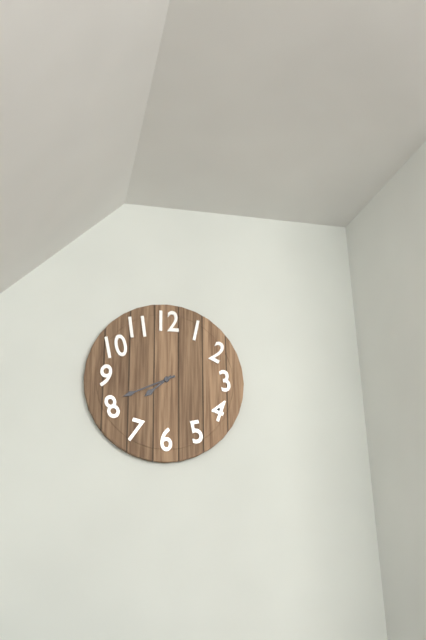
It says 7:41
